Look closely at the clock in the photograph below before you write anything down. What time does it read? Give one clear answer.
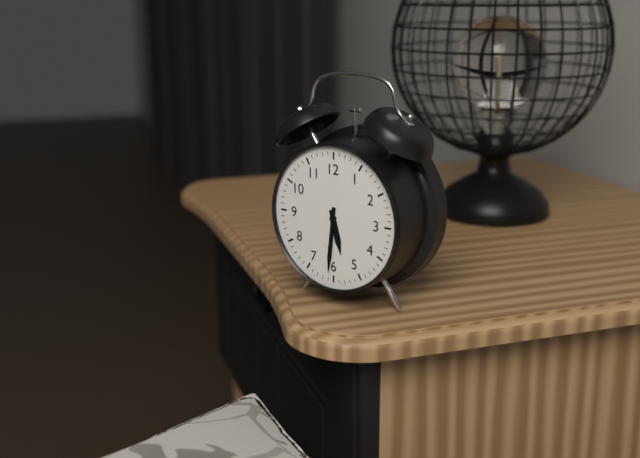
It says 5:31
